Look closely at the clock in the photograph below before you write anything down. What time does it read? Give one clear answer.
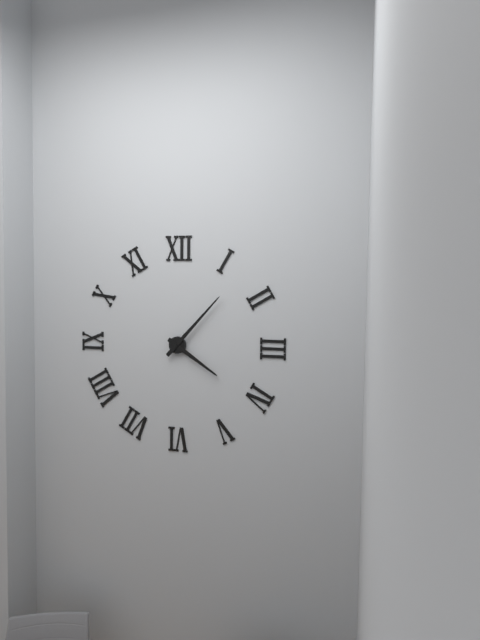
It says 4:07
